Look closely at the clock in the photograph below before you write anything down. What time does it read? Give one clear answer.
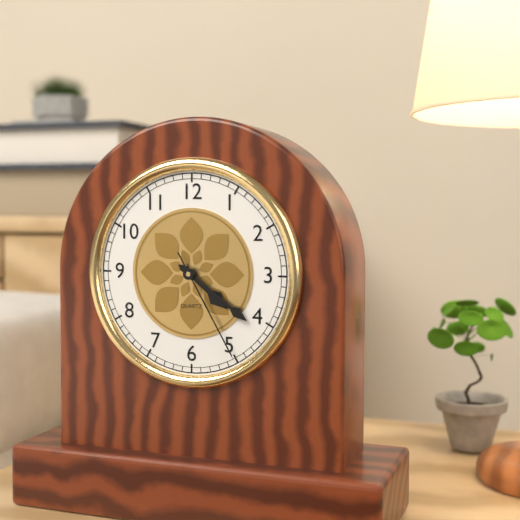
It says 4:21:25
